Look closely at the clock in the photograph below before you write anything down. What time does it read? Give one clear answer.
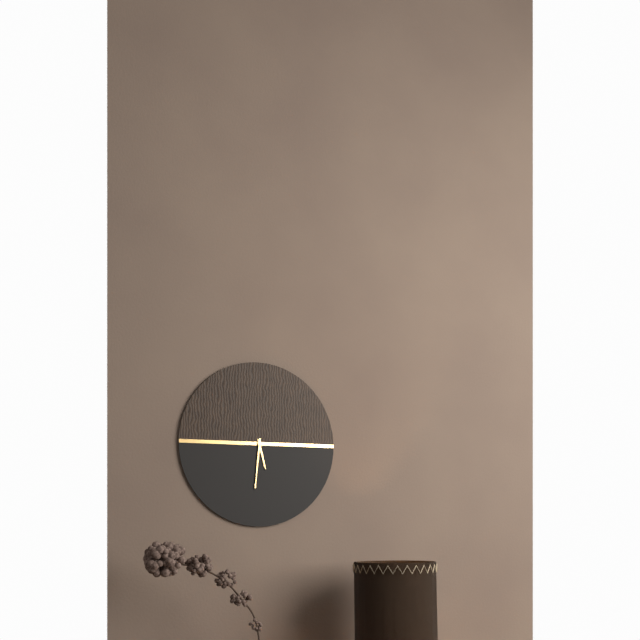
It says 5:31
